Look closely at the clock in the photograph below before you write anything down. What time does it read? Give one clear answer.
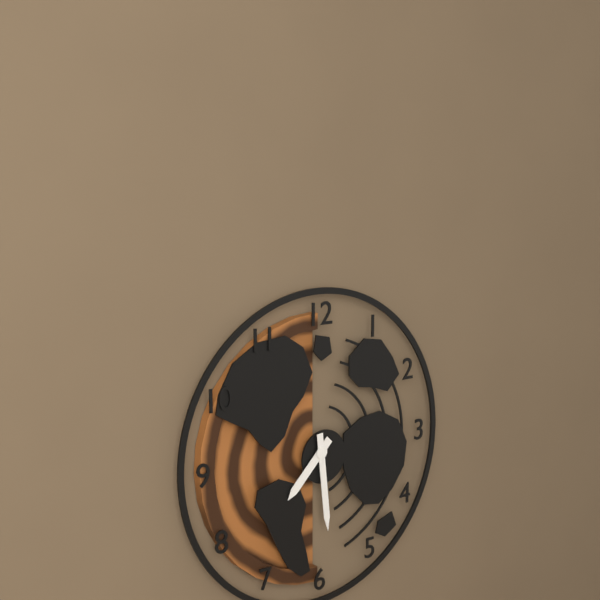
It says 7:29
